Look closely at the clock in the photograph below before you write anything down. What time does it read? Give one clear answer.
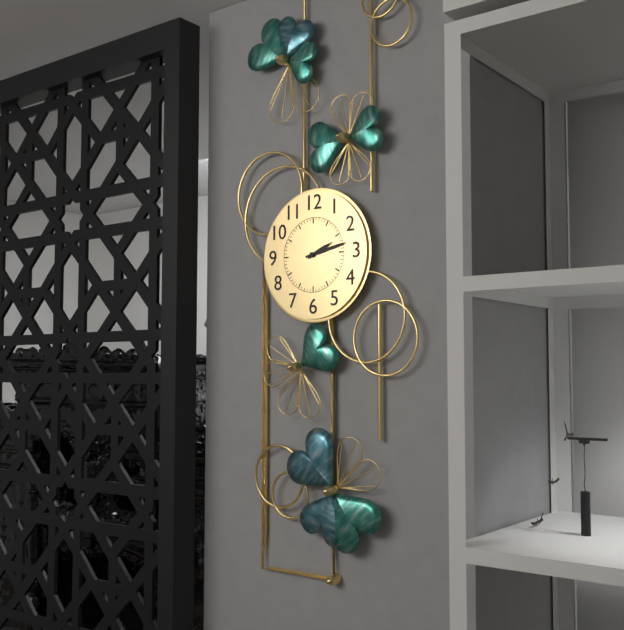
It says 2:13
